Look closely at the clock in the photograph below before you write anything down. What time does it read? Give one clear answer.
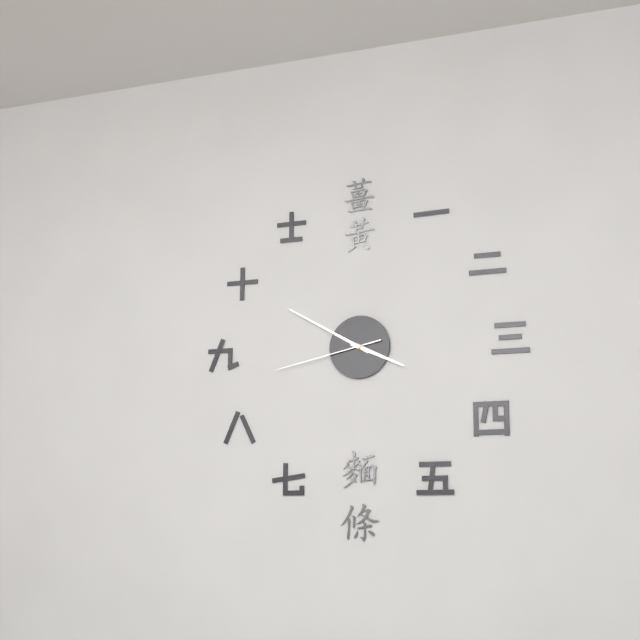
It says 3:50:43
